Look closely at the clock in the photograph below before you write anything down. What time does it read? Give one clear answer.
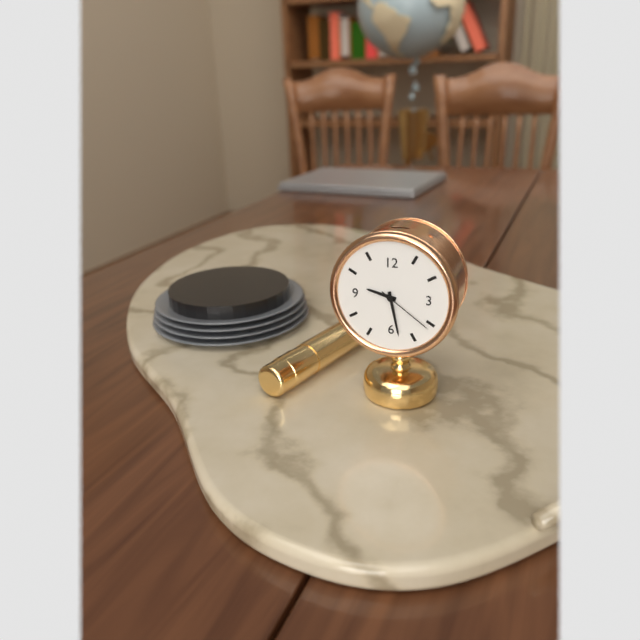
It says 9:28:21
